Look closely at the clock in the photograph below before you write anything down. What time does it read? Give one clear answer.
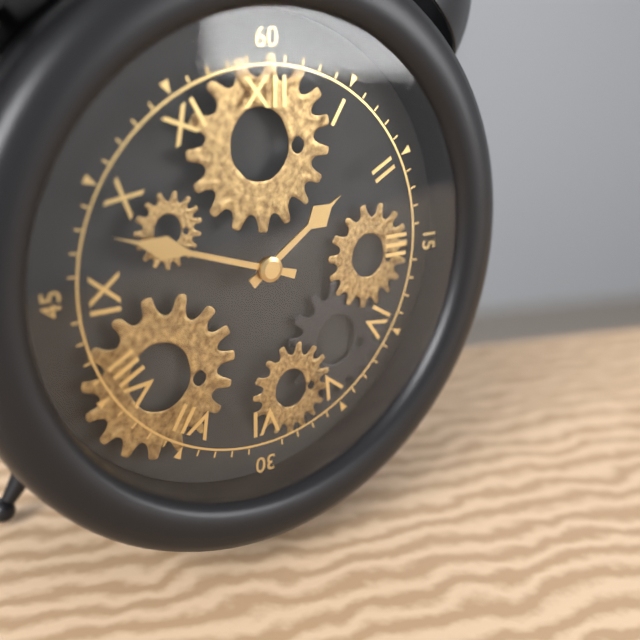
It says 1:48
